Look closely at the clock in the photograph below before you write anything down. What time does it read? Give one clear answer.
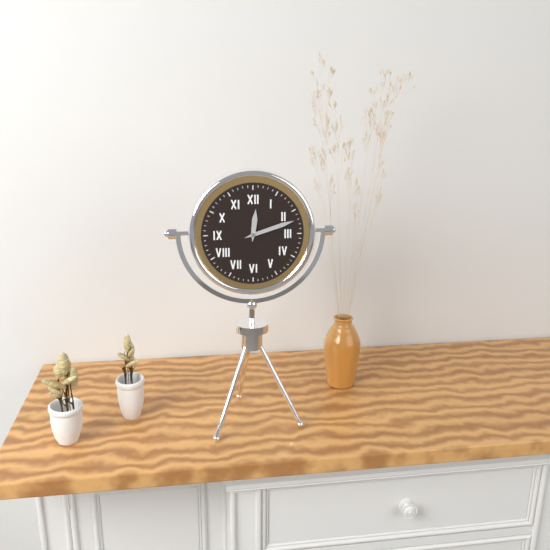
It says 12:12
